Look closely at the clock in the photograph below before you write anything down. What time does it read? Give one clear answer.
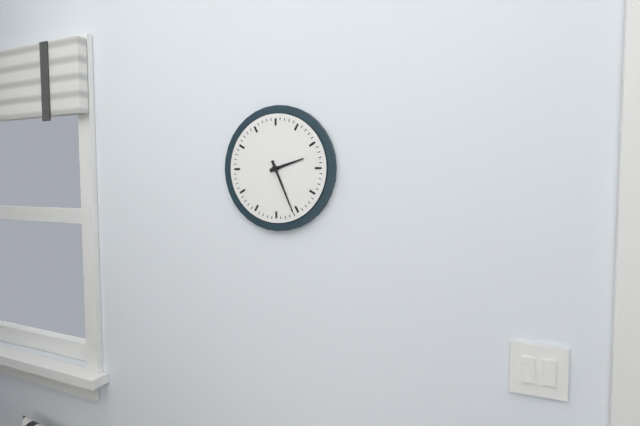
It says 2:26
